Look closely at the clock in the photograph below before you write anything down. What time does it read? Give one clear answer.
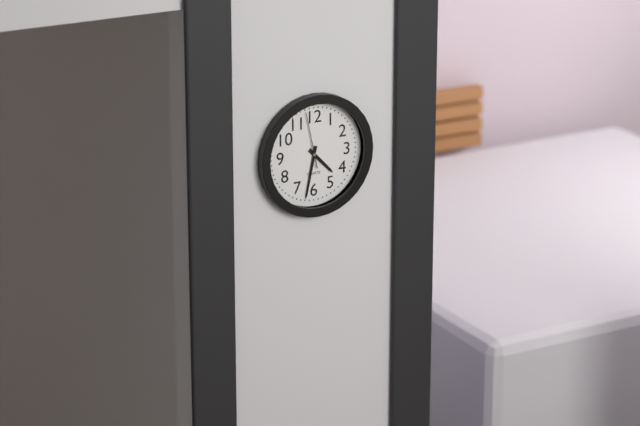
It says 4:32:58
